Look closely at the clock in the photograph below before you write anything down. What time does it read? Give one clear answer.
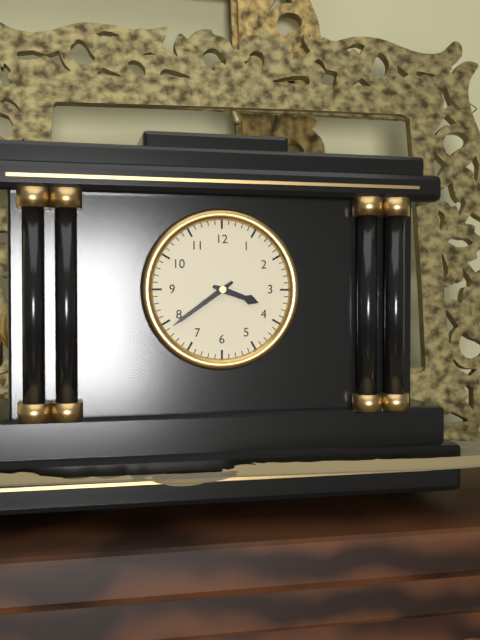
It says 3:39
